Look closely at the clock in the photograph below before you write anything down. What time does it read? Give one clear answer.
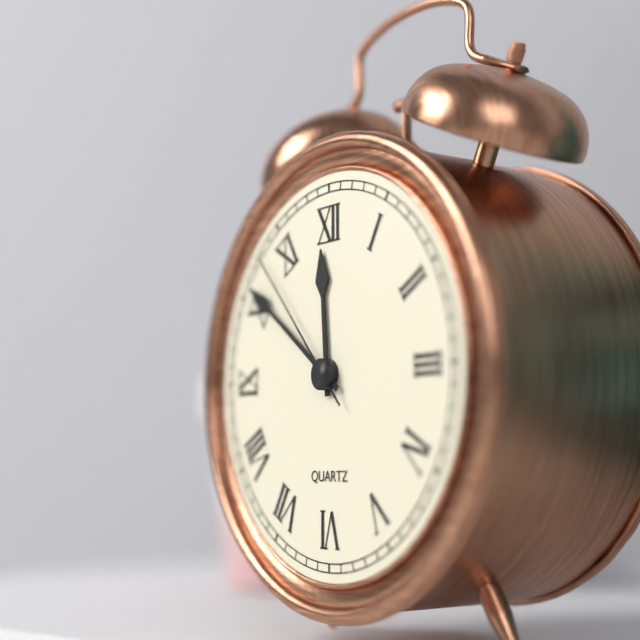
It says 11:51:53
